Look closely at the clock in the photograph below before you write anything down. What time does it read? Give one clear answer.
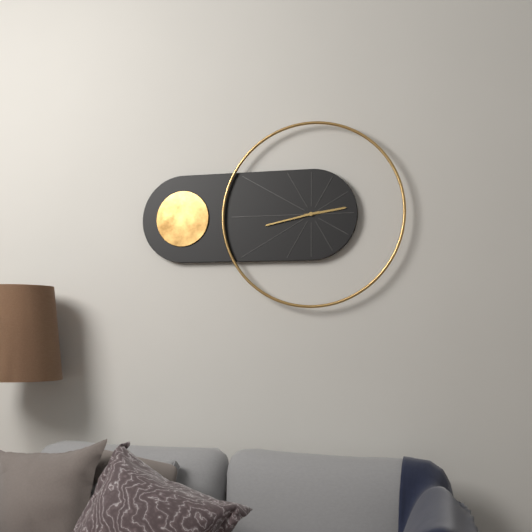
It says 2:43
